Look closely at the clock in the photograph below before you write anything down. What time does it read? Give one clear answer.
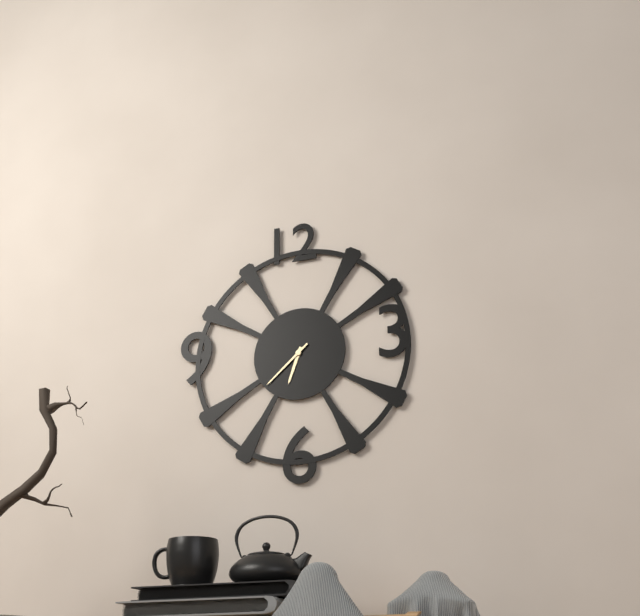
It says 6:38
